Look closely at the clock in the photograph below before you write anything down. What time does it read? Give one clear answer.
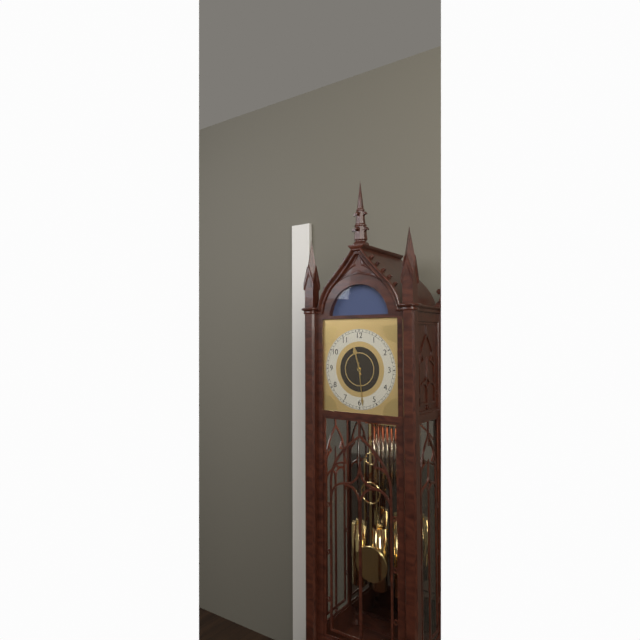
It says 11:29
